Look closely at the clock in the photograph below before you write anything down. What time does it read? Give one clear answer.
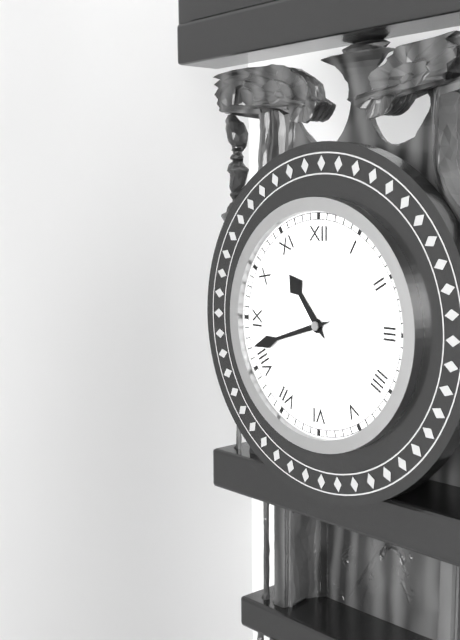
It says 10:42
